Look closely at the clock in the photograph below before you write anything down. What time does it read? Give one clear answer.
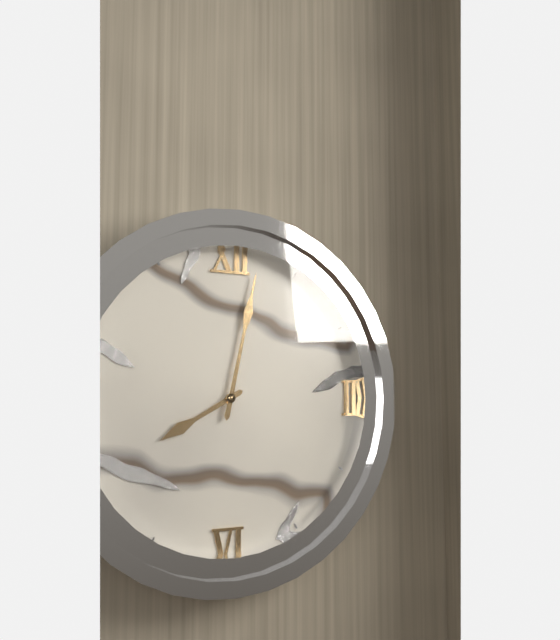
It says 8:02
